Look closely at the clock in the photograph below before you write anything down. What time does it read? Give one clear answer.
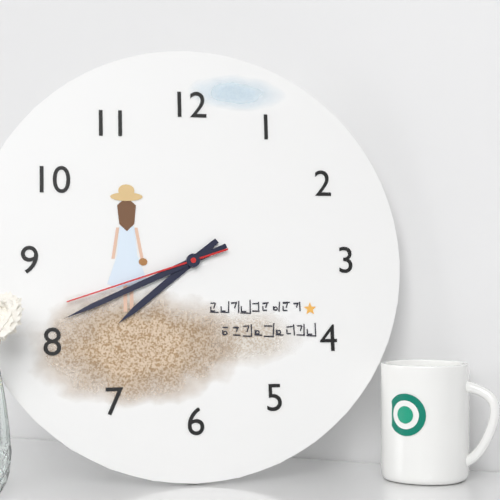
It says 7:41:42
